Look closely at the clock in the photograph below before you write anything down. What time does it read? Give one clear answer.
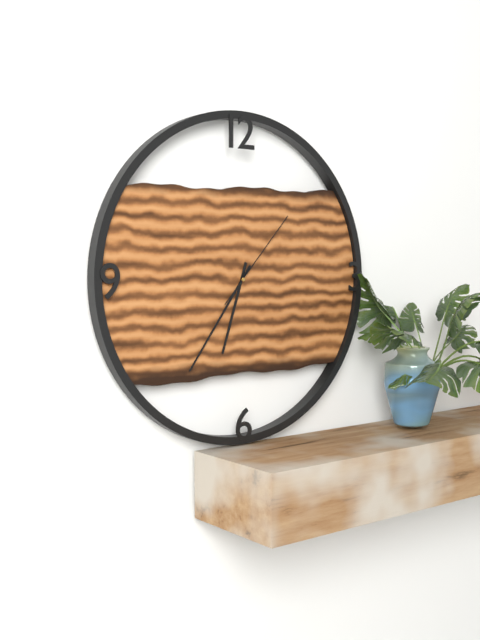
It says 6:36:07
